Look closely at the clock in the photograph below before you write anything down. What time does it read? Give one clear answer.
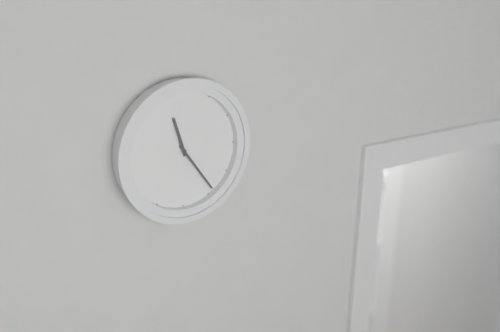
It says 11:24
